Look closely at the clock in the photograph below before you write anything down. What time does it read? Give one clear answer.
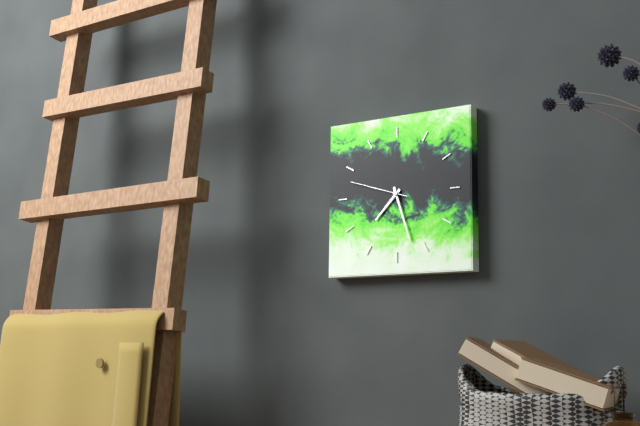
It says 7:27:48
